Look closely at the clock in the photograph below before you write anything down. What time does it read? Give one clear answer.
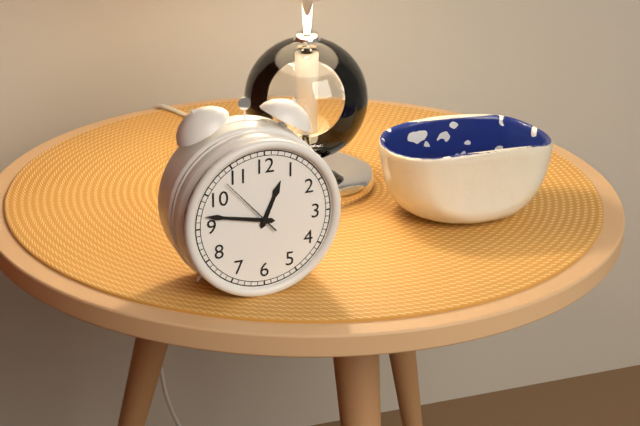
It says 12:47:53
